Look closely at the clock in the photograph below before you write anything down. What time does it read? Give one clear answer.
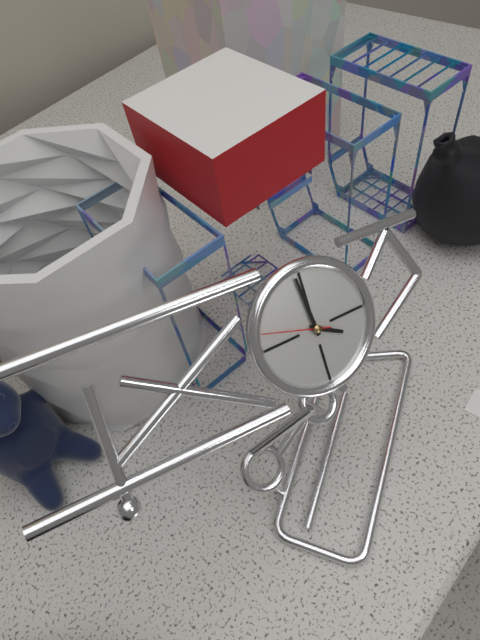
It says 3:59:48
